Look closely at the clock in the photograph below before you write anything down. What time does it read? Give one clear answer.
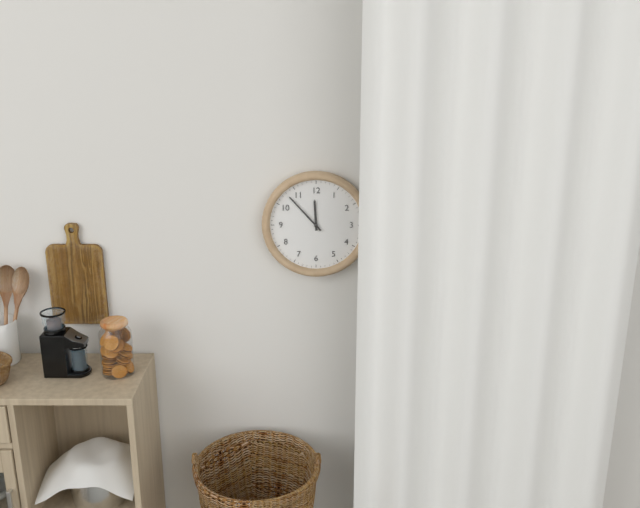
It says 11:53
